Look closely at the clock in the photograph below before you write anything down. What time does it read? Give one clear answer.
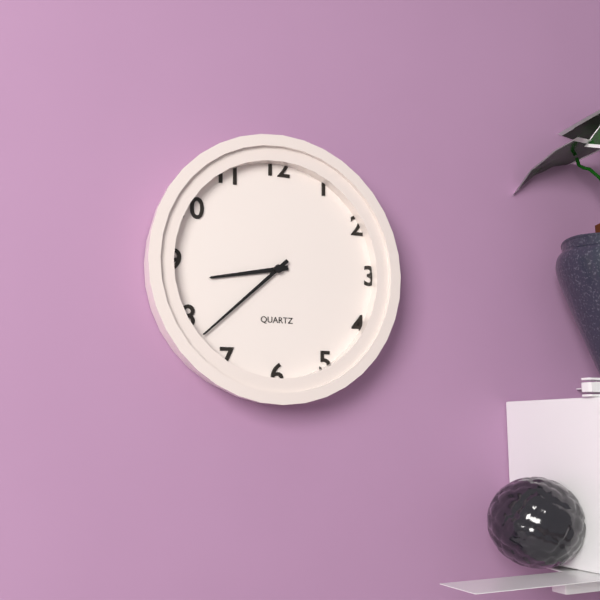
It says 8:38
